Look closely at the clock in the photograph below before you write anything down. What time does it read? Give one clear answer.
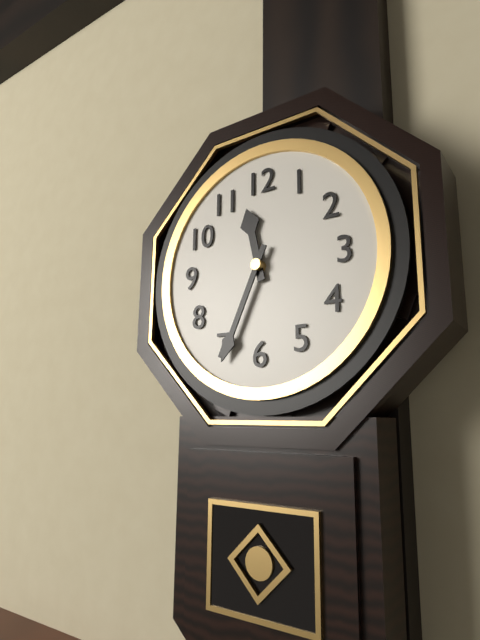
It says 11:34
